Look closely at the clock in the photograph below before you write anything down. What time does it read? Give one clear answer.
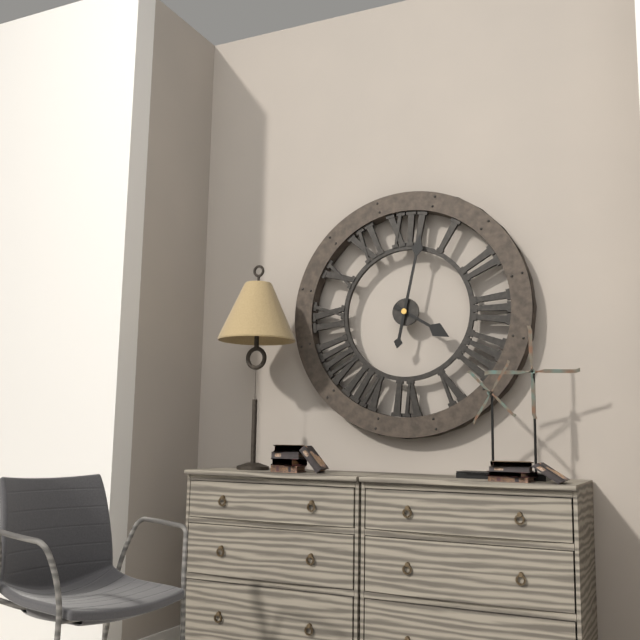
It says 4:02
